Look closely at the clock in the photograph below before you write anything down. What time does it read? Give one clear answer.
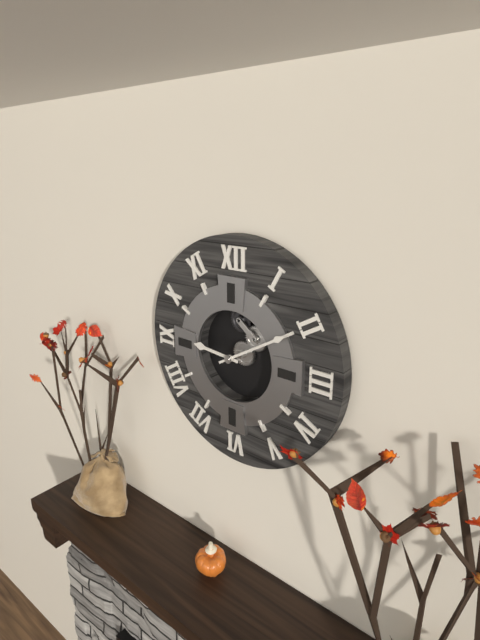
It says 9:10
